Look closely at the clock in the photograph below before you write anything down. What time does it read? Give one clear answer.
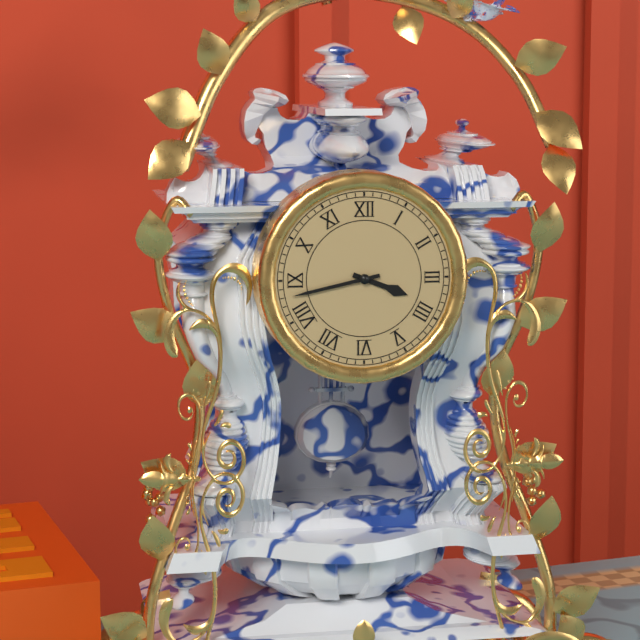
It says 3:43
